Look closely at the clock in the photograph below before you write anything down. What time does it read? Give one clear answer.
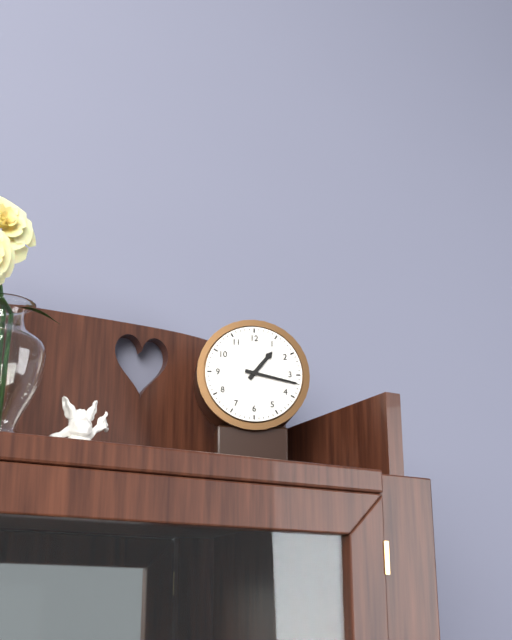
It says 1:17
